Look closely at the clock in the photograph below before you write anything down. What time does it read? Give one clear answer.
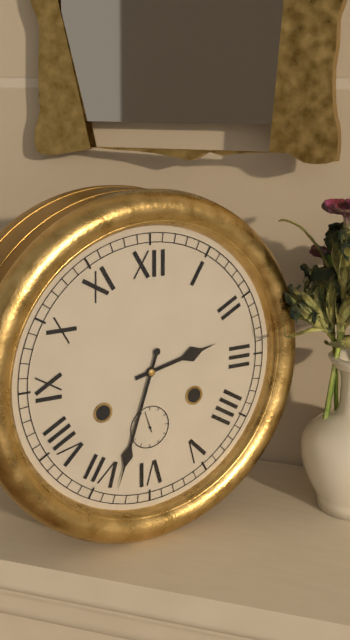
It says 2:33
